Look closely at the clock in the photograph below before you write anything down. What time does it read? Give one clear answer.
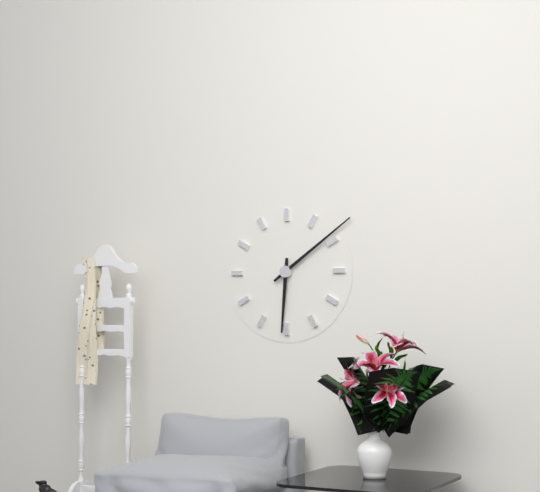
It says 6:09
